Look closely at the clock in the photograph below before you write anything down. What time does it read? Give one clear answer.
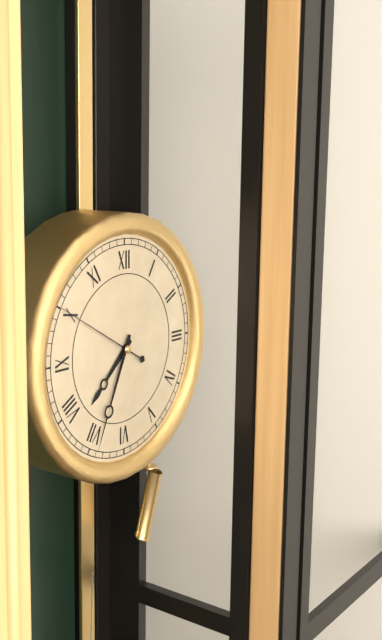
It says 7:34:50
